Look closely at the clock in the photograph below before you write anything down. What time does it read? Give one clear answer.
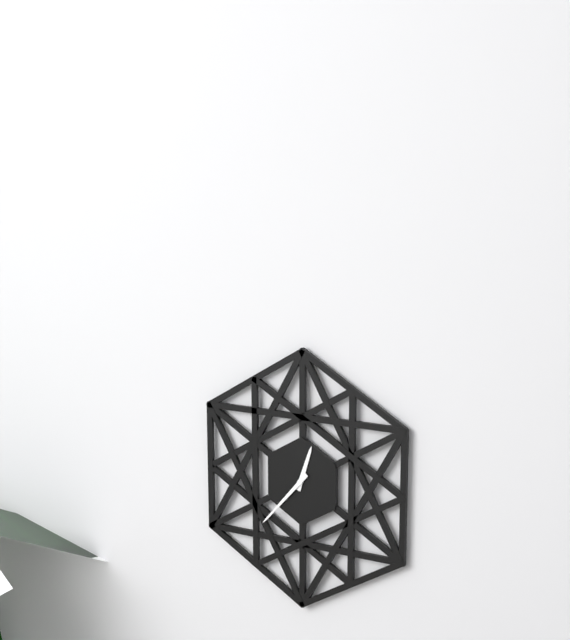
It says 12:37
